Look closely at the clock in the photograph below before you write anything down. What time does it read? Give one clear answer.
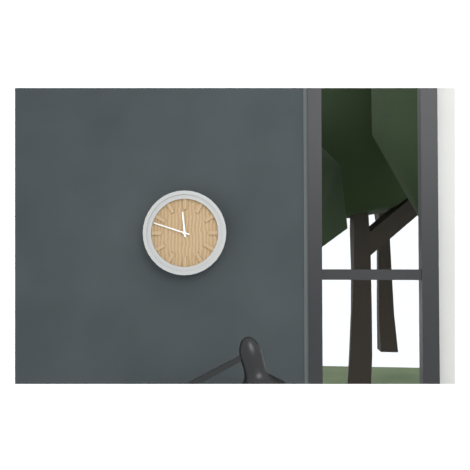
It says 11:48
